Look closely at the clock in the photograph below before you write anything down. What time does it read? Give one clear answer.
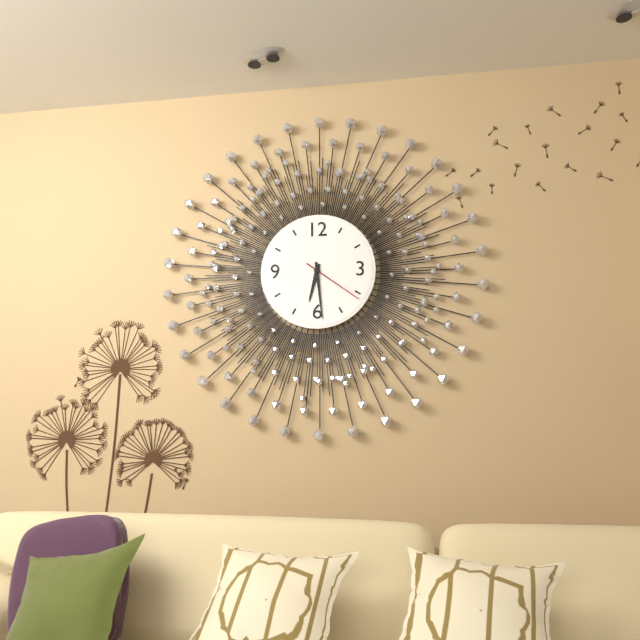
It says 6:29:21
